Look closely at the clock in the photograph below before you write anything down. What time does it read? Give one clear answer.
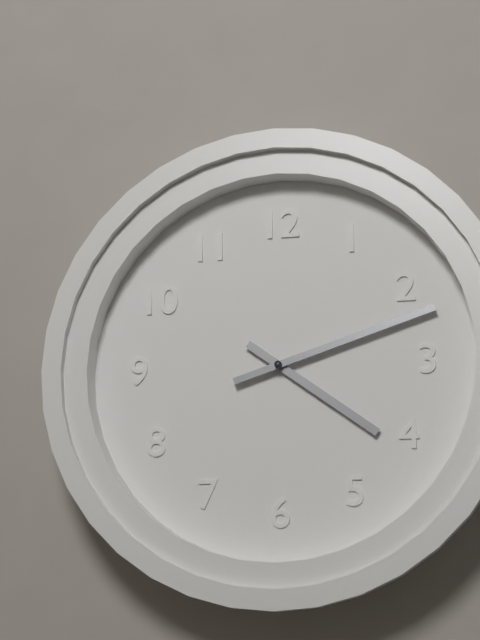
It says 4:12
